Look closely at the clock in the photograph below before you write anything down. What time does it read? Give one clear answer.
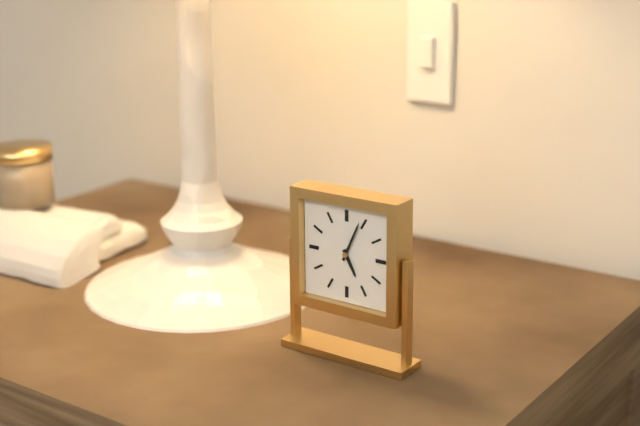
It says 5:04
